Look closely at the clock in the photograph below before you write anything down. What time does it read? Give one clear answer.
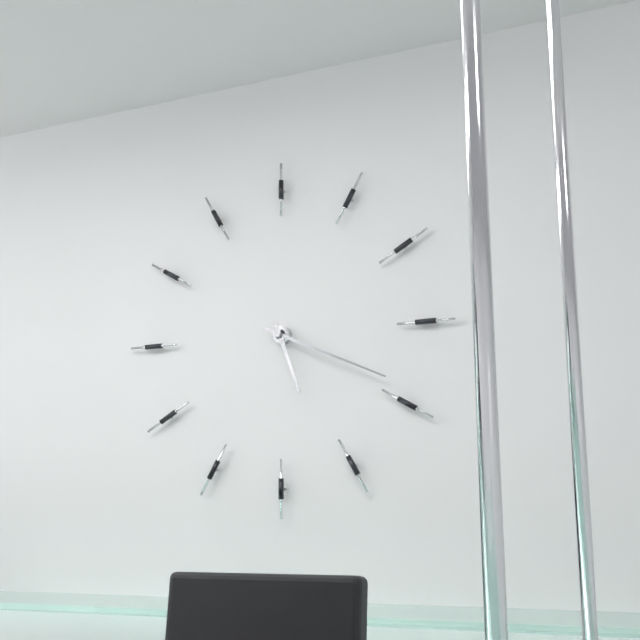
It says 5:19
